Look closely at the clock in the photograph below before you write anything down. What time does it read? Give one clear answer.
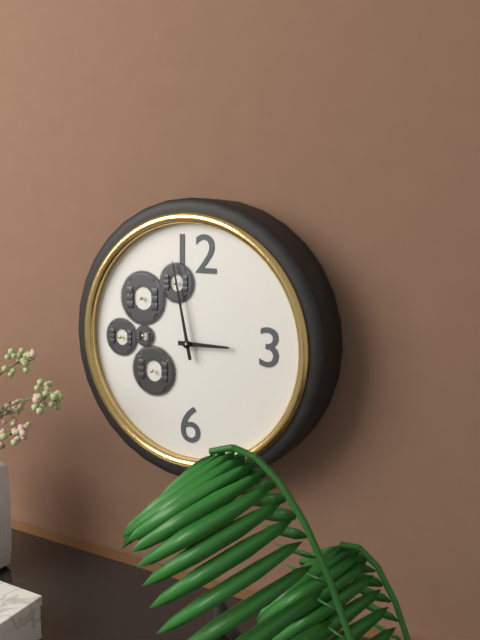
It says 2:58
